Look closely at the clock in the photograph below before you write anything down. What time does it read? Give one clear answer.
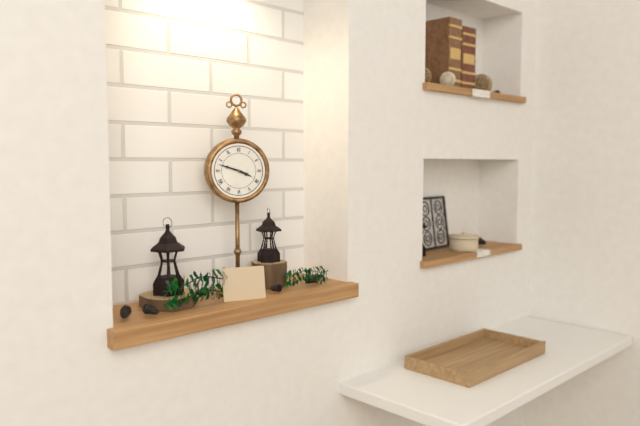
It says 3:48
